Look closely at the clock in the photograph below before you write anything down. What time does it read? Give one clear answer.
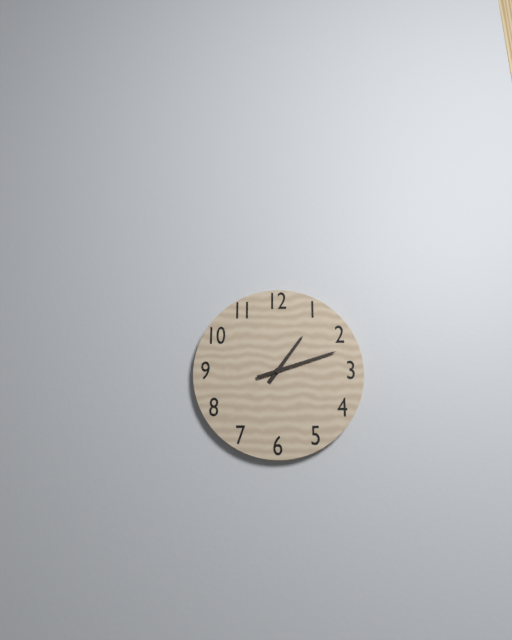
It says 1:12
